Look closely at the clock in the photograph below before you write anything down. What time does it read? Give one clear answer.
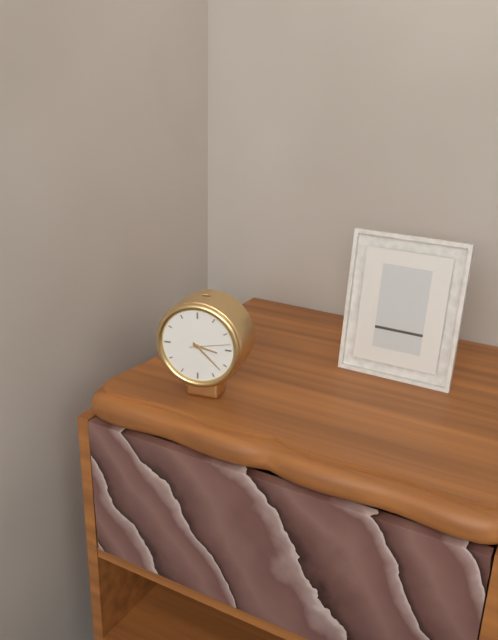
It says 3:22
